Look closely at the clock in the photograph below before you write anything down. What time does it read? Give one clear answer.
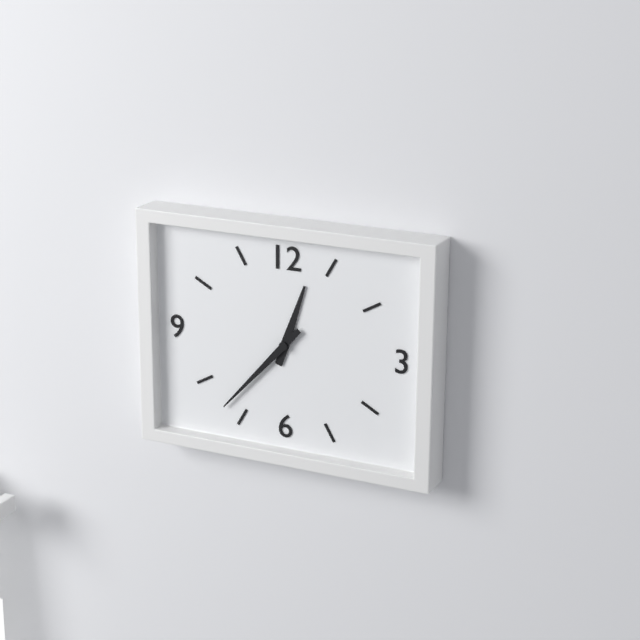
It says 12:37
